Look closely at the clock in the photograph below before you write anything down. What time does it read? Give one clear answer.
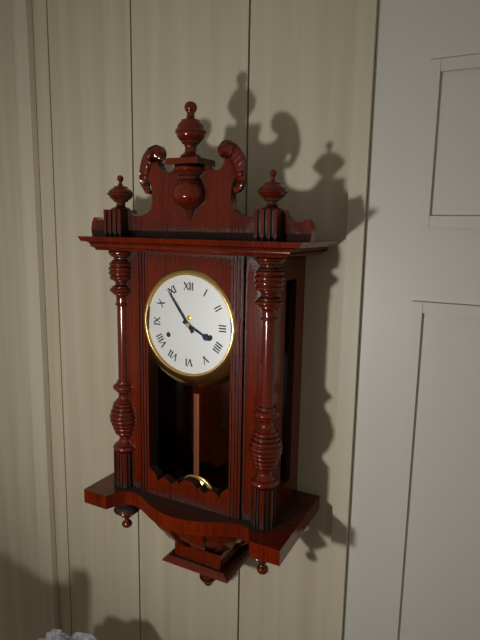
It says 3:54
